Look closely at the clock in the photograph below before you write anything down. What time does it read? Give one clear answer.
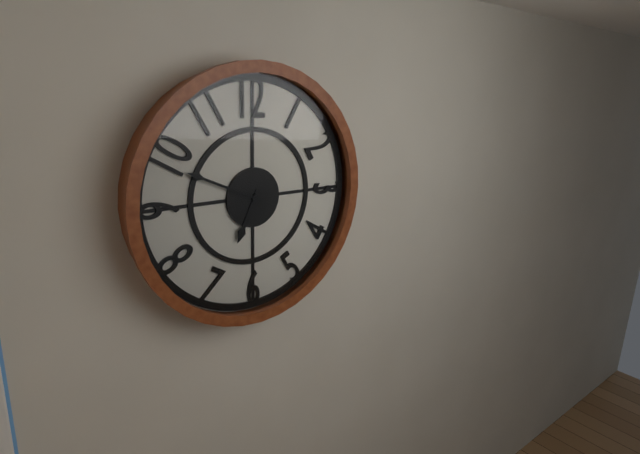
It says 6:49
